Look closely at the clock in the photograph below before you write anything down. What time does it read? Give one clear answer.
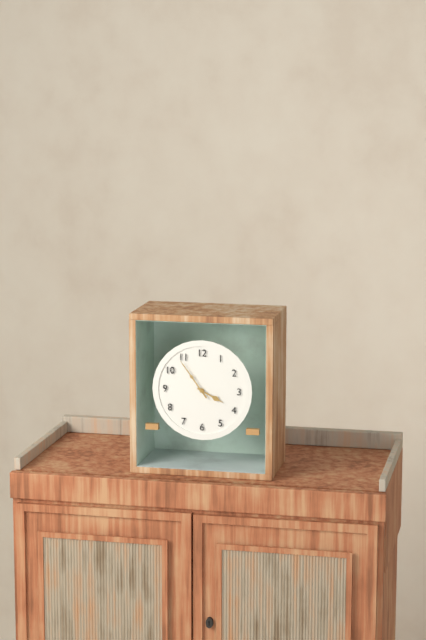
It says 3:54
